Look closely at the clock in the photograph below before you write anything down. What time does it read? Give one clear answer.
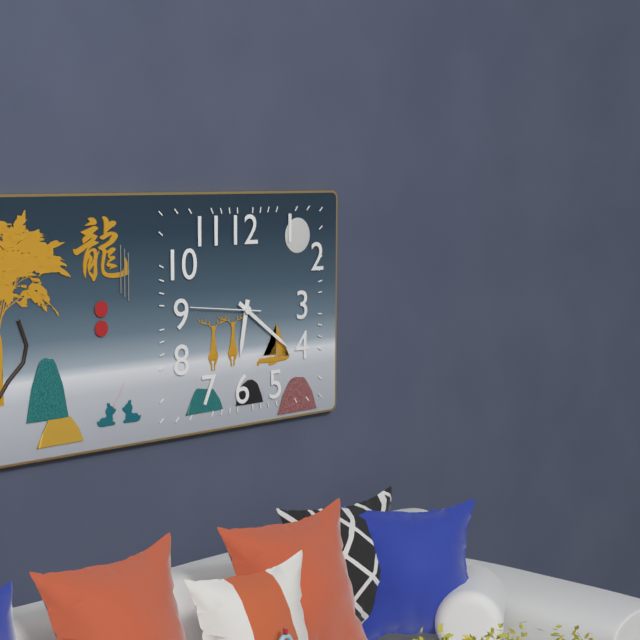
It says 6:21:46
